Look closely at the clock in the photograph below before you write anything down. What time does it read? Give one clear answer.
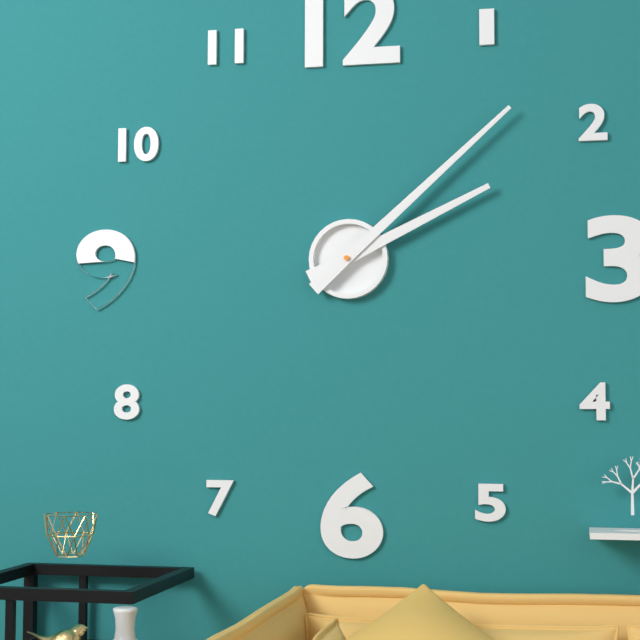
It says 2:08
